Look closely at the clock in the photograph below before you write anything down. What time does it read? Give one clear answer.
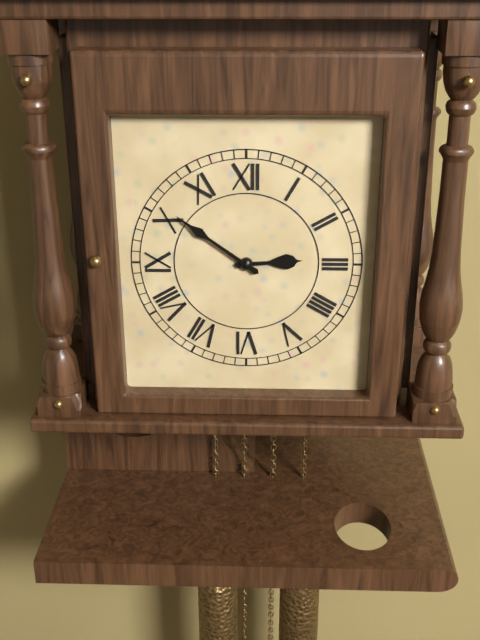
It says 2:51
